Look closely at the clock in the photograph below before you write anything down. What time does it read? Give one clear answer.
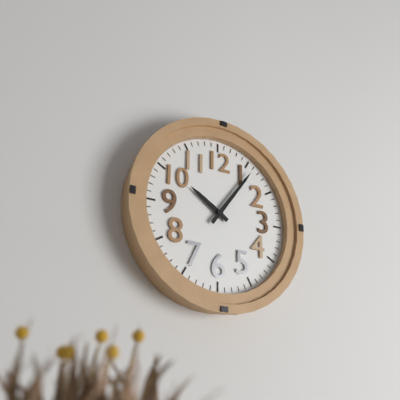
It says 10:06
